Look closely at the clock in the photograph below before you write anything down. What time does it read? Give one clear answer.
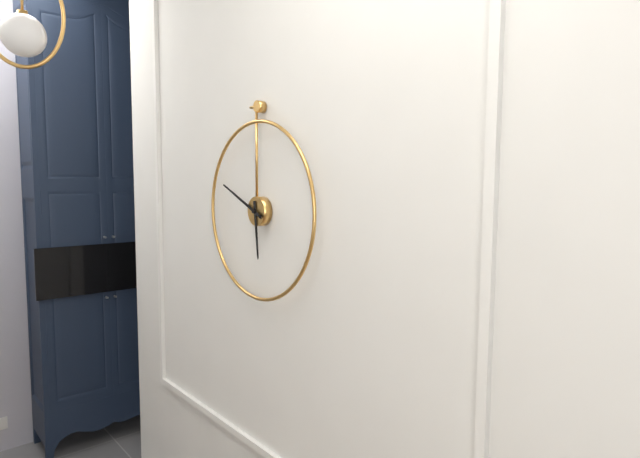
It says 5:49
